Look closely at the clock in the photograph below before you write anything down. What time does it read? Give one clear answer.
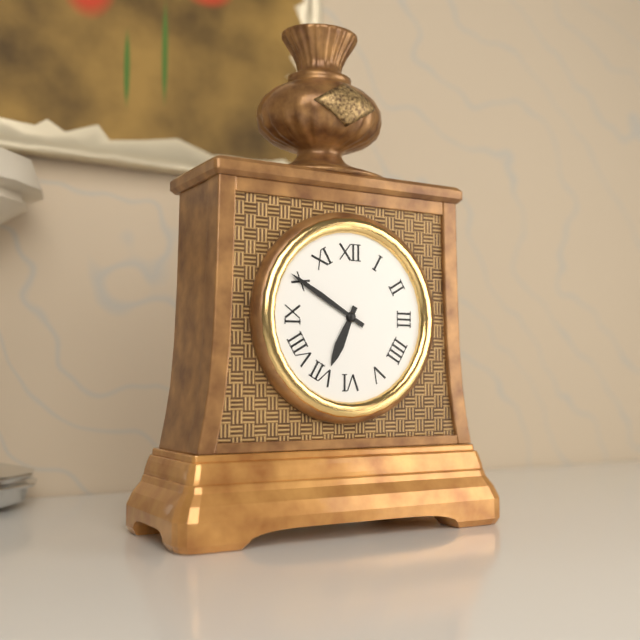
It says 6:50
